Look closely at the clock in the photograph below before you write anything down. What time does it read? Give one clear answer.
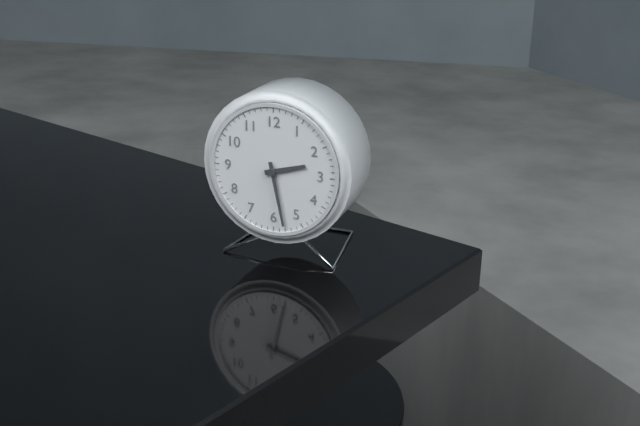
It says 2:28
